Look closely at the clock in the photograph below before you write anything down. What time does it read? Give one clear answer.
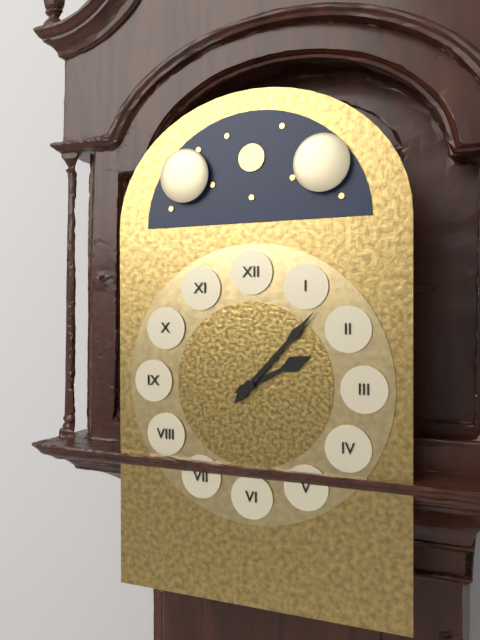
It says 2:07
